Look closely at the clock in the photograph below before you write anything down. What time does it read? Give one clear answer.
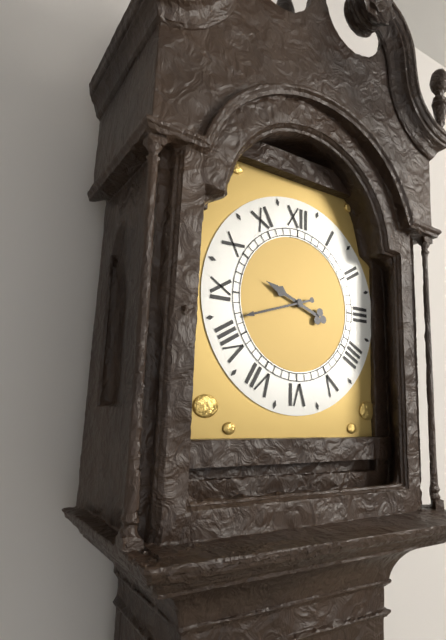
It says 9:42
